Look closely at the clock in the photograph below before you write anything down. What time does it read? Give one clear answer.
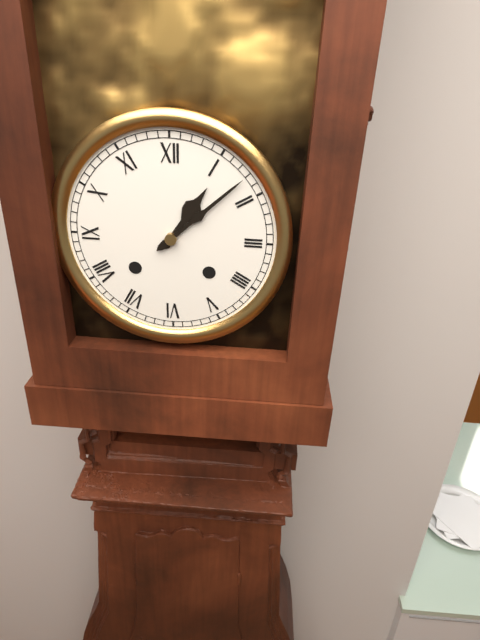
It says 1:08
